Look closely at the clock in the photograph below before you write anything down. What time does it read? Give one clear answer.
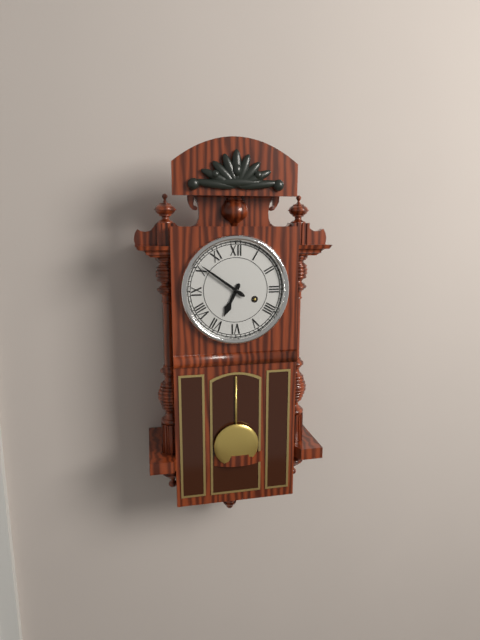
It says 6:51
